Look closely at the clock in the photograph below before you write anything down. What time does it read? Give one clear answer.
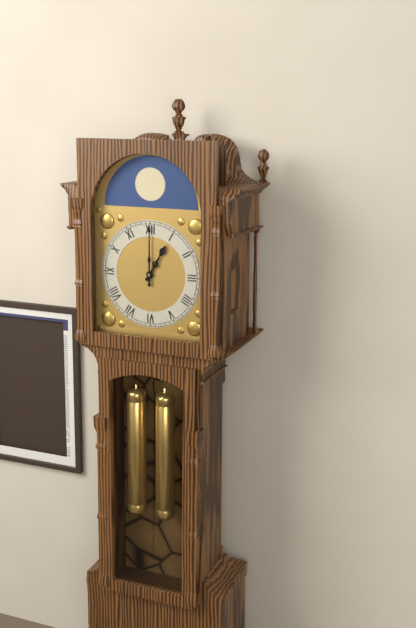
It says 1:00
